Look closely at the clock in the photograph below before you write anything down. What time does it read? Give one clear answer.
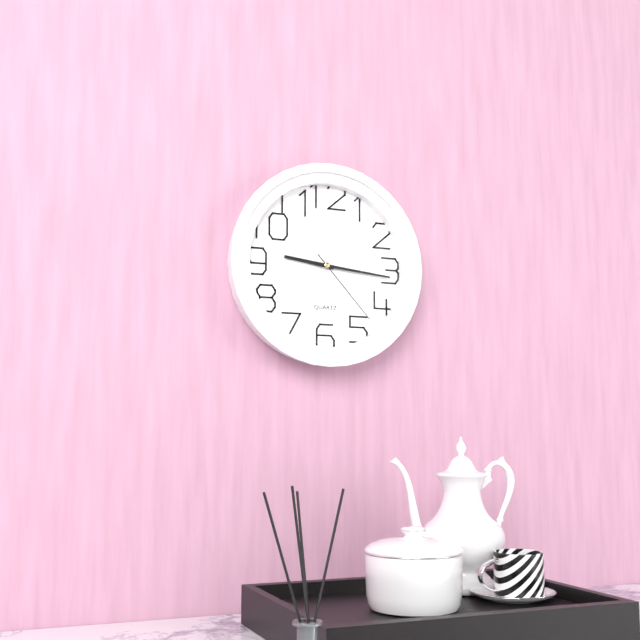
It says 9:16:23
